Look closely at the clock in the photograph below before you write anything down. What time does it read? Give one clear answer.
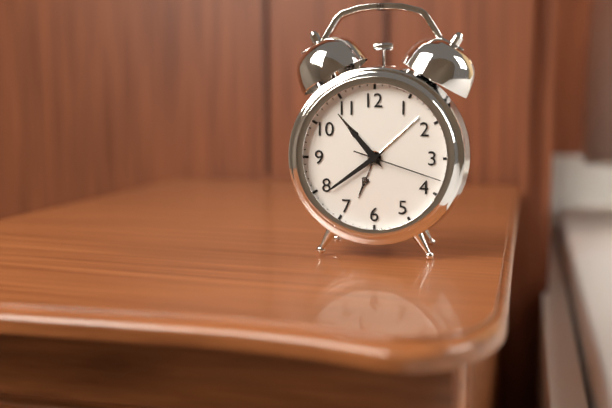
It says 10:39:18
